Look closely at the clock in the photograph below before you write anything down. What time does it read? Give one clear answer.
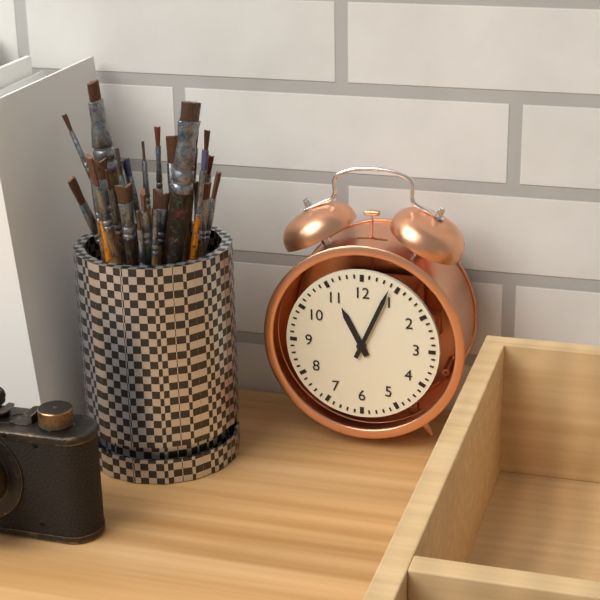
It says 11:04
